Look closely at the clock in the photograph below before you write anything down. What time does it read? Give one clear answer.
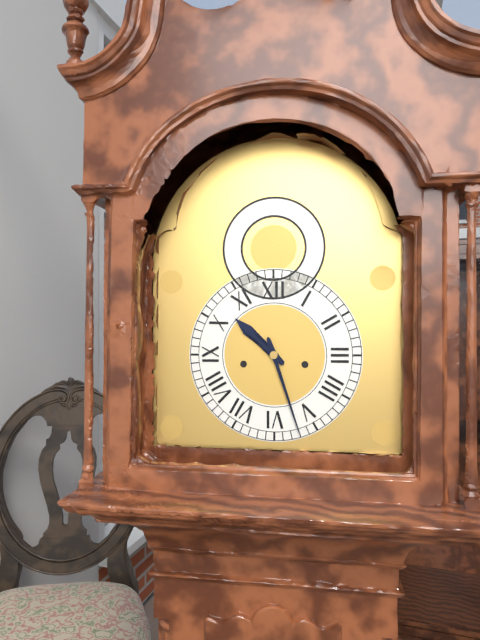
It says 10:27
